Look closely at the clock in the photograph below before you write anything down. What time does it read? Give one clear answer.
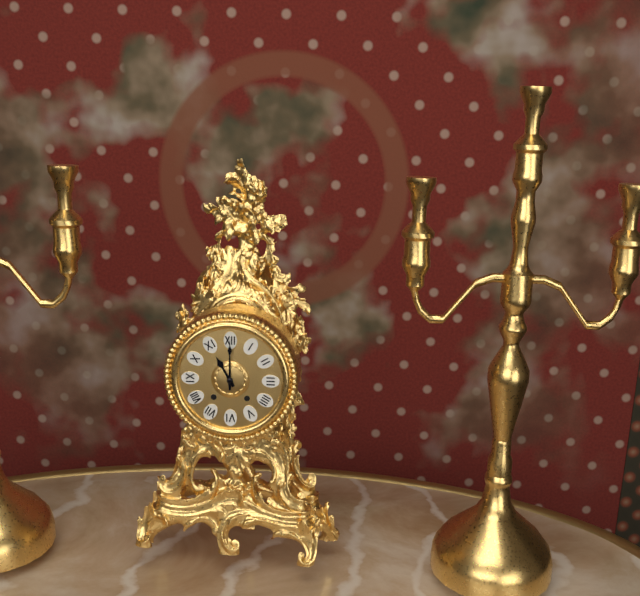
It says 11:00
